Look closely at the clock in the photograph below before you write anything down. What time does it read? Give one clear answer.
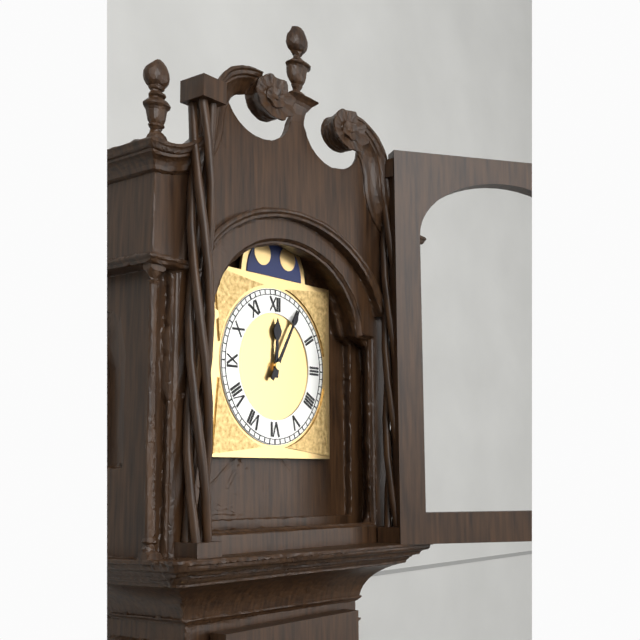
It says 12:05
